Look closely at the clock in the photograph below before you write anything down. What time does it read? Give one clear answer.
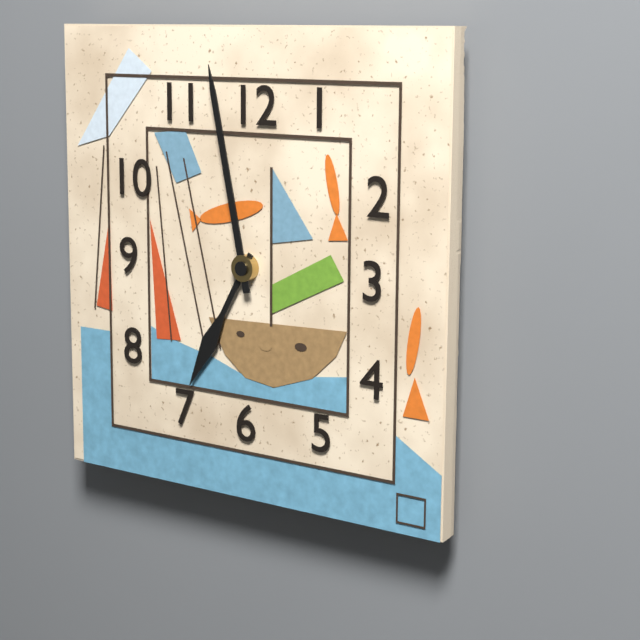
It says 6:58
